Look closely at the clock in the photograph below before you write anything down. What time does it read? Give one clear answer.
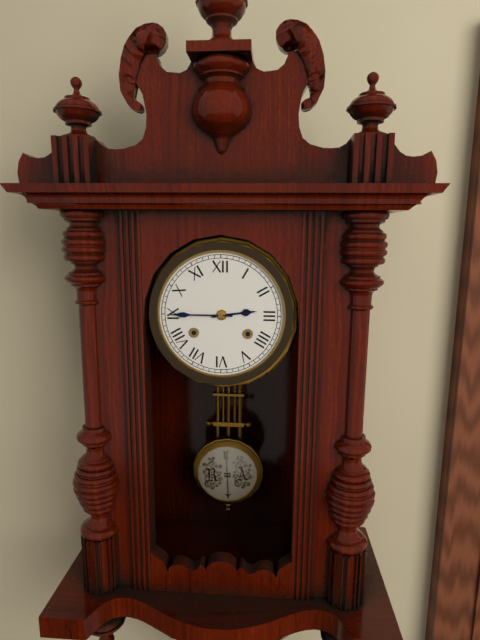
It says 2:45
